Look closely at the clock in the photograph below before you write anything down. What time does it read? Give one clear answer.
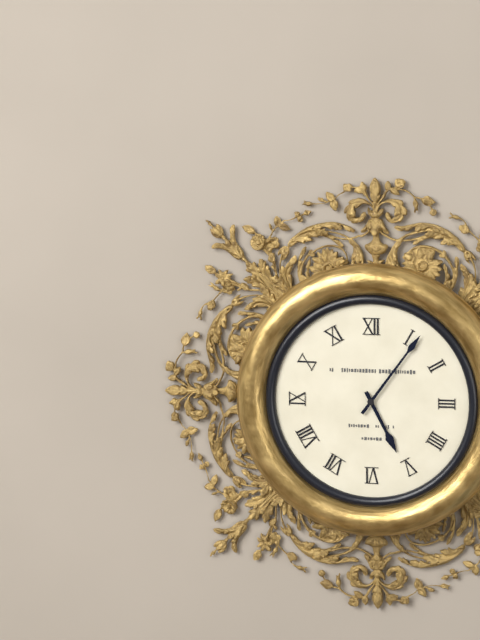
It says 5:06
